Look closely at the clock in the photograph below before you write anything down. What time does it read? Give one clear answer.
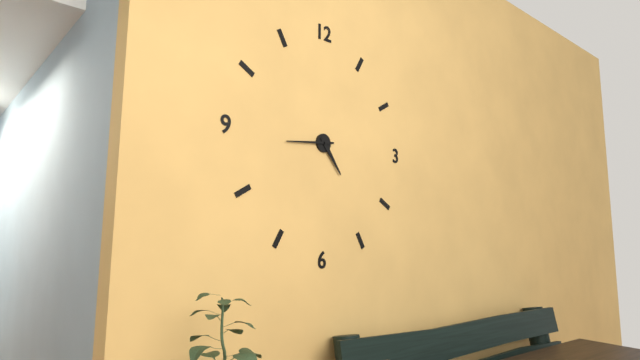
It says 4:44
